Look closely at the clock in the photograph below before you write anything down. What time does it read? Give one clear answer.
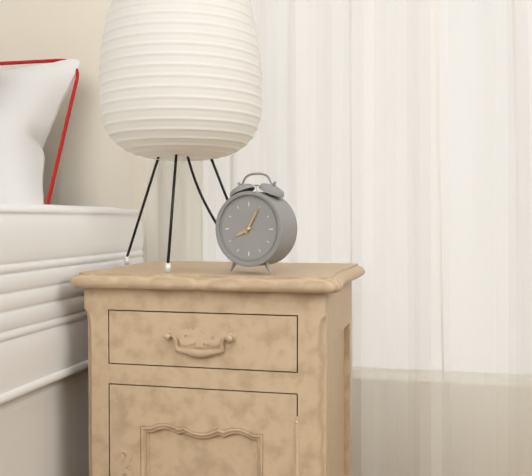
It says 8:05
